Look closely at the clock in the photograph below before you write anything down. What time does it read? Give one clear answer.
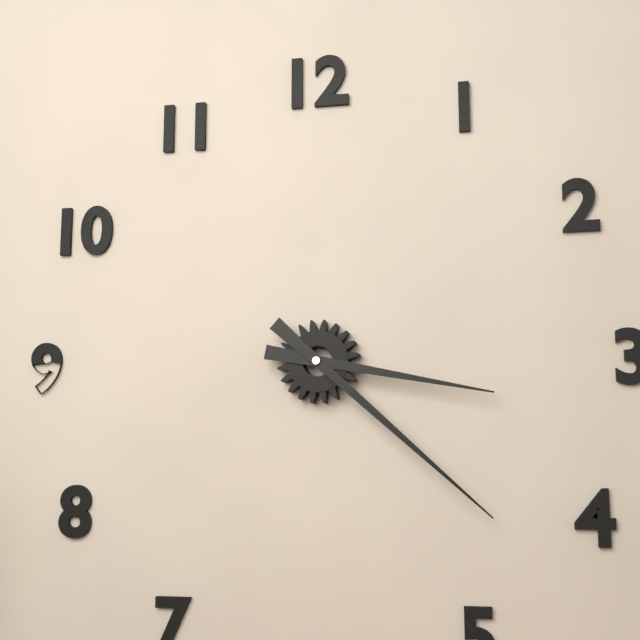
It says 3:22
